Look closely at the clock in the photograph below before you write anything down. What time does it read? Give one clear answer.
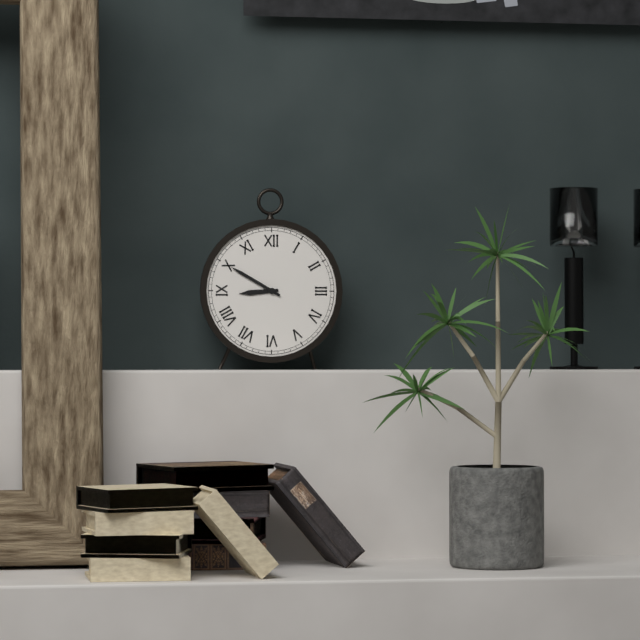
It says 8:50
